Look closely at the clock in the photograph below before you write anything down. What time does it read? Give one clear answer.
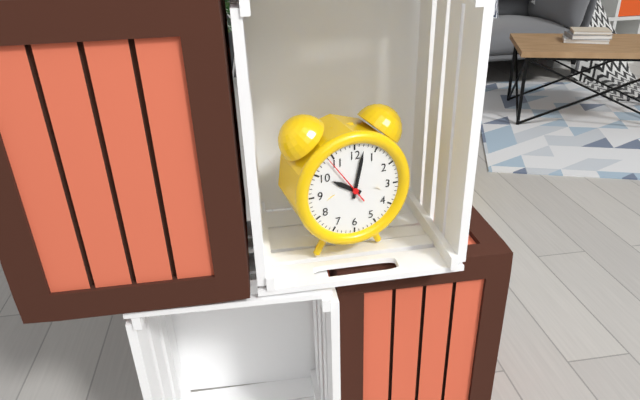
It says 10:02:54
